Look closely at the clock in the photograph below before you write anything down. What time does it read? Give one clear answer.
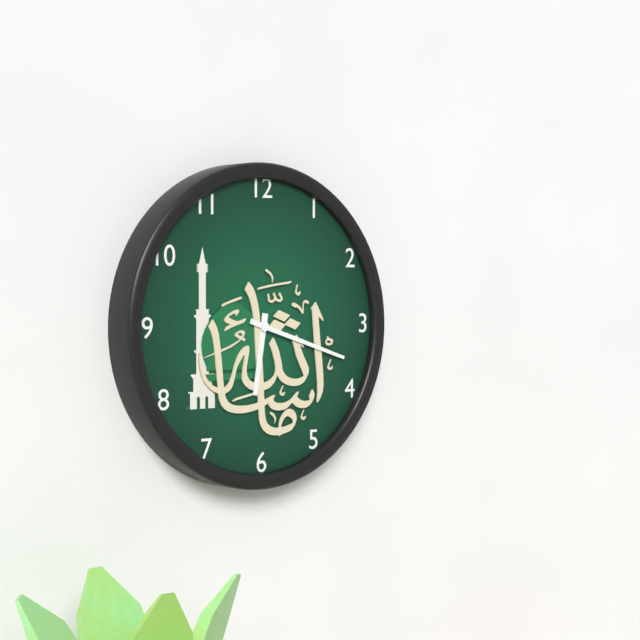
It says 6:18
